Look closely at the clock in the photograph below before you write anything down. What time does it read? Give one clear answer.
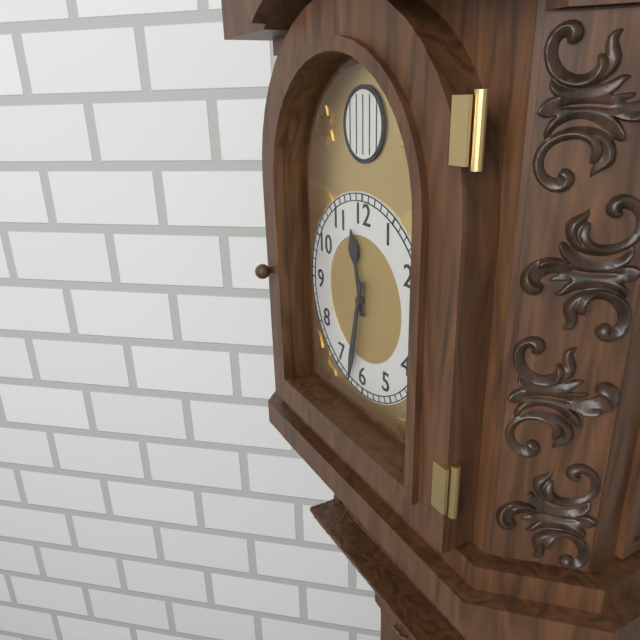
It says 11:32
